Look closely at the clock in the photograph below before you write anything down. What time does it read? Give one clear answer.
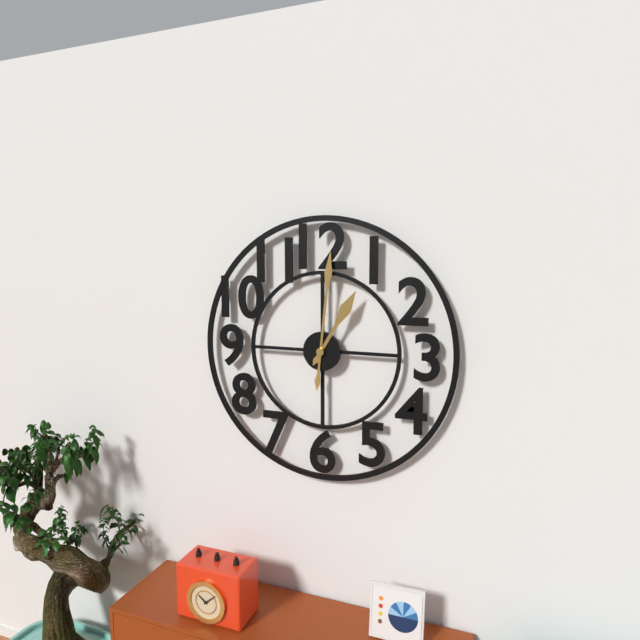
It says 1:01
